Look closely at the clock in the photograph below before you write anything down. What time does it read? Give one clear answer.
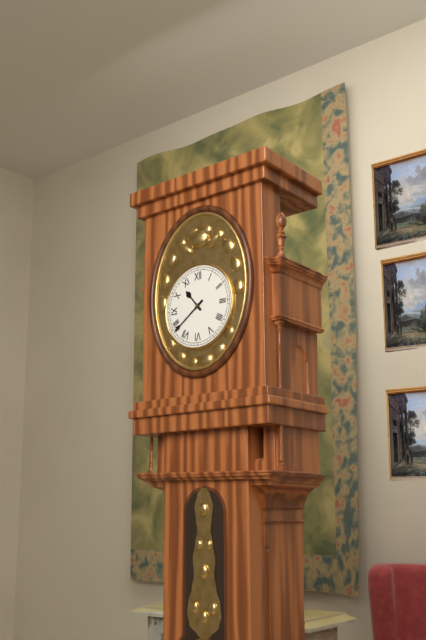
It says 10:39
